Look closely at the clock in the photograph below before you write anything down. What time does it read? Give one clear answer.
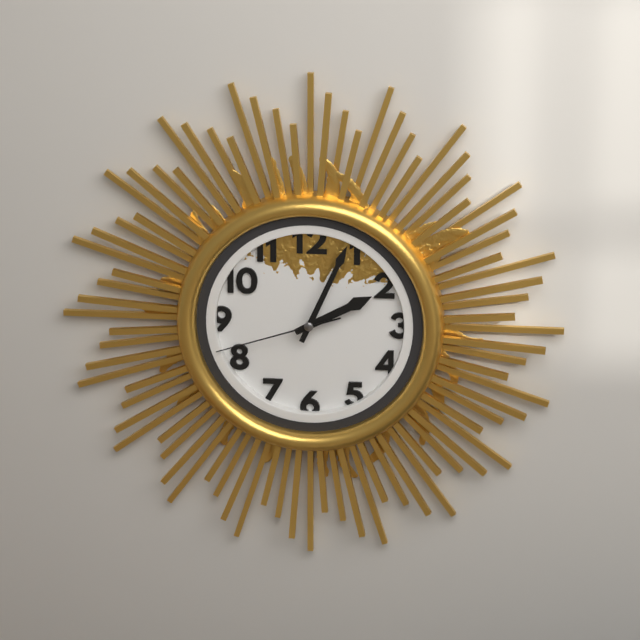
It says 2:04:42
